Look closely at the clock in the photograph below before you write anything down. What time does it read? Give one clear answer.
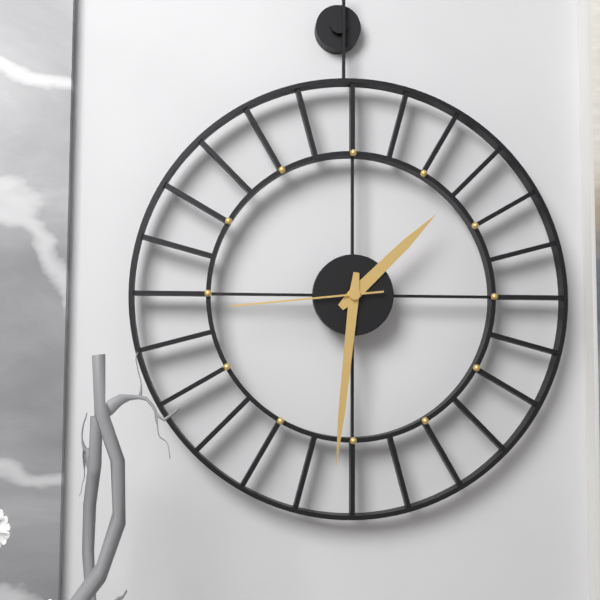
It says 1:31:44
